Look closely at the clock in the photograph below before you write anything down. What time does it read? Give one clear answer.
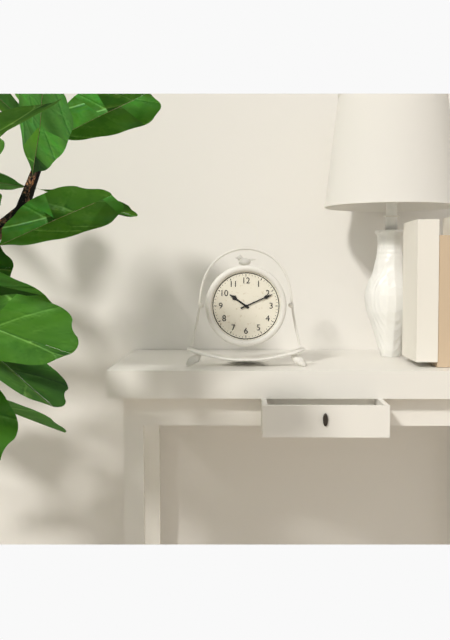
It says 10:11
